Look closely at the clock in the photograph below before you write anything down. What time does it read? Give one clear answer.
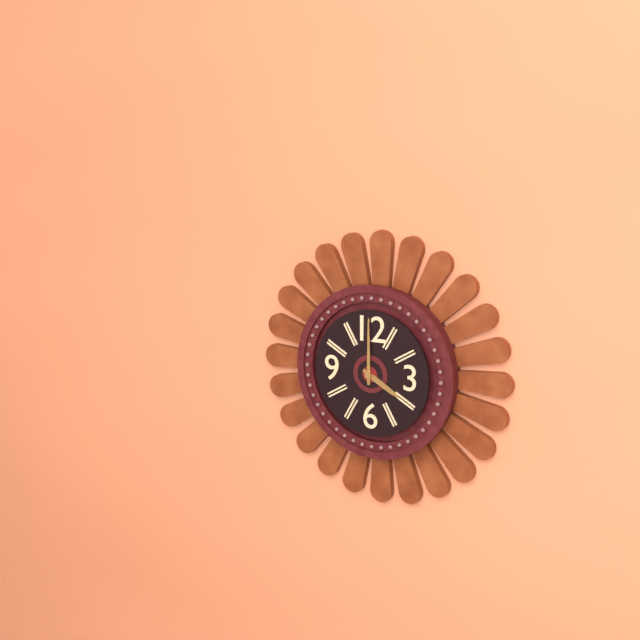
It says 4:00
